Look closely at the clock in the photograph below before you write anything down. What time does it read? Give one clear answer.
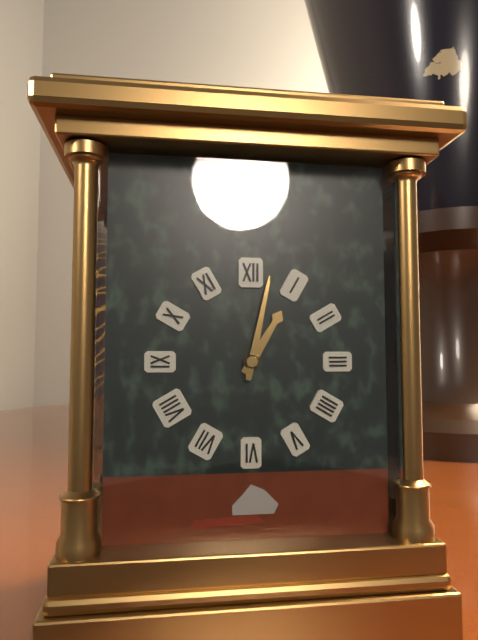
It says 1:02
